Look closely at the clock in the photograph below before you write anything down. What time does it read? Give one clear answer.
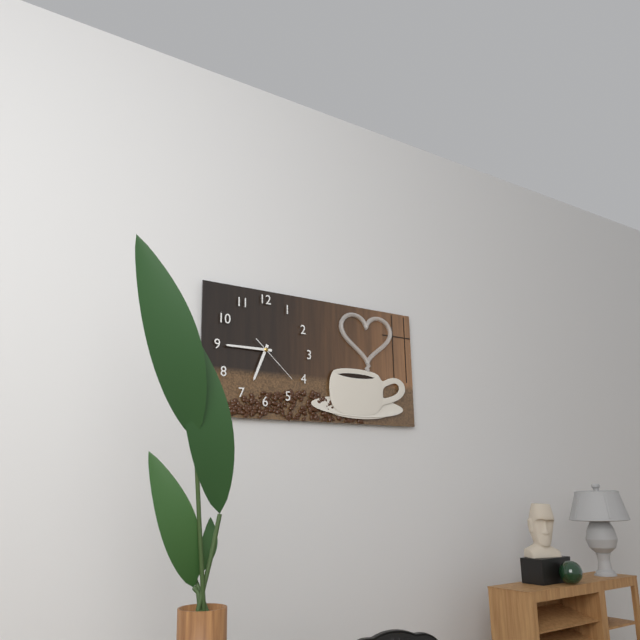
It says 6:45
